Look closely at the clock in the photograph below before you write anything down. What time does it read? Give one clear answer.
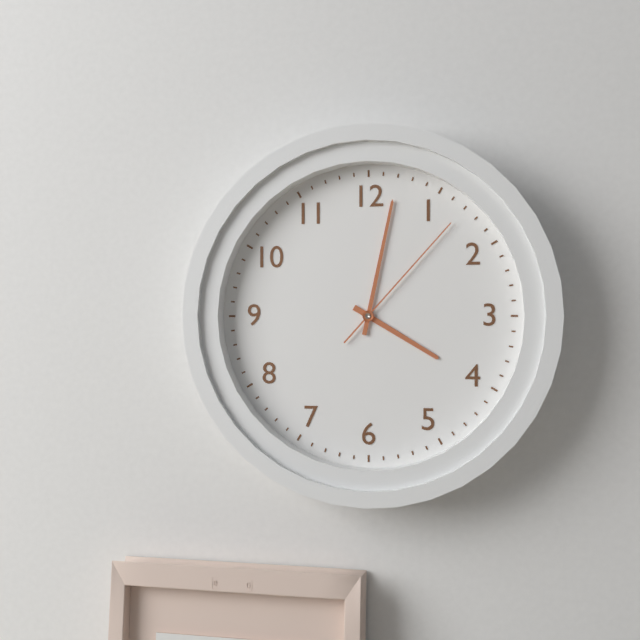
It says 4:02:07
